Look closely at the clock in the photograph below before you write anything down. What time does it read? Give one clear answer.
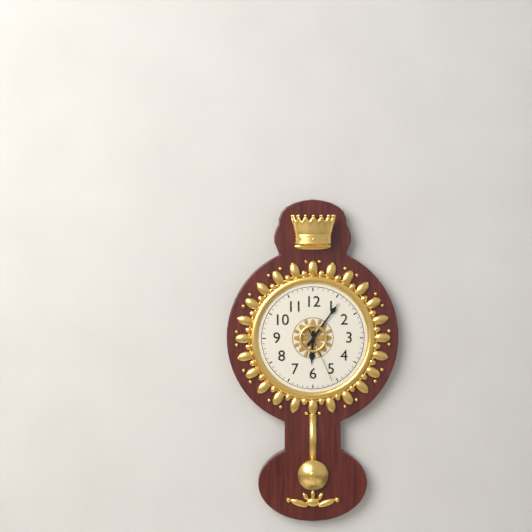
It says 6:06:26
